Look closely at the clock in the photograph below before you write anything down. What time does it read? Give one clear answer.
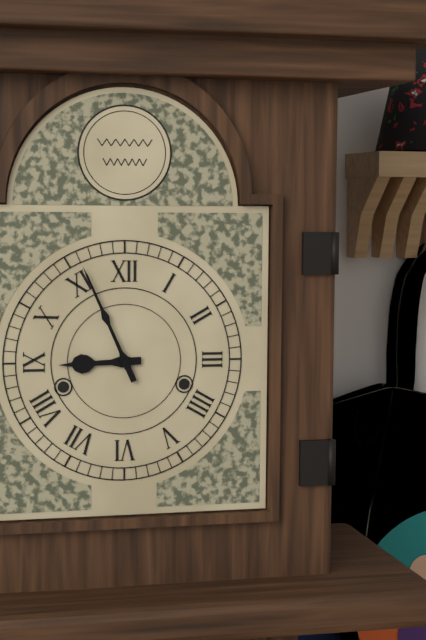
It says 8:56
